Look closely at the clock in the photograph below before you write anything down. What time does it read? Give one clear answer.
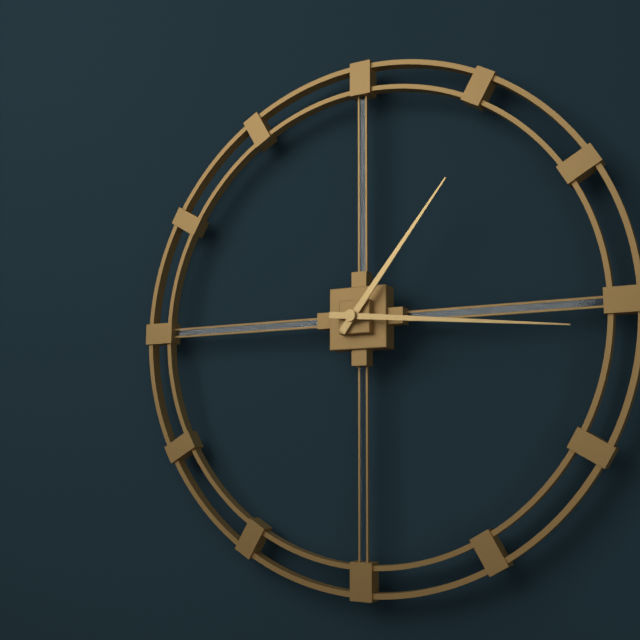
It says 1:16
